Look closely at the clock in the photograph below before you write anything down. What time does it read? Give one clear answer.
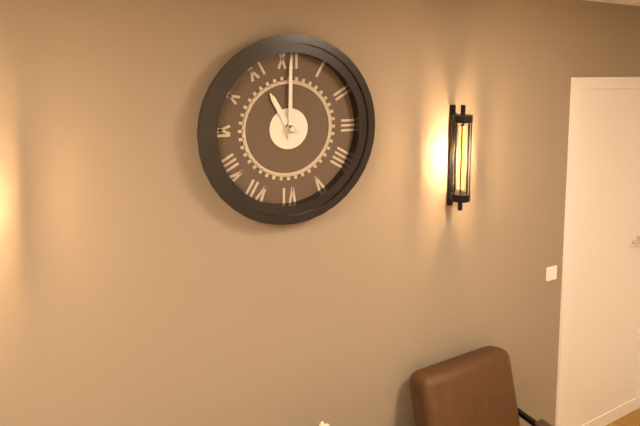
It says 11:00
